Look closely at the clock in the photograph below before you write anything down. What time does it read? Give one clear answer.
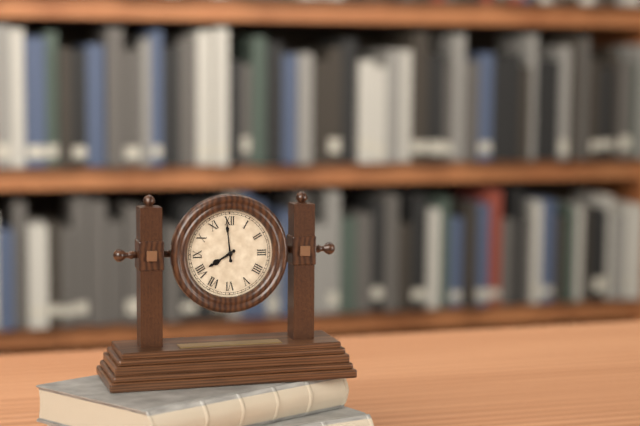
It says 7:59
